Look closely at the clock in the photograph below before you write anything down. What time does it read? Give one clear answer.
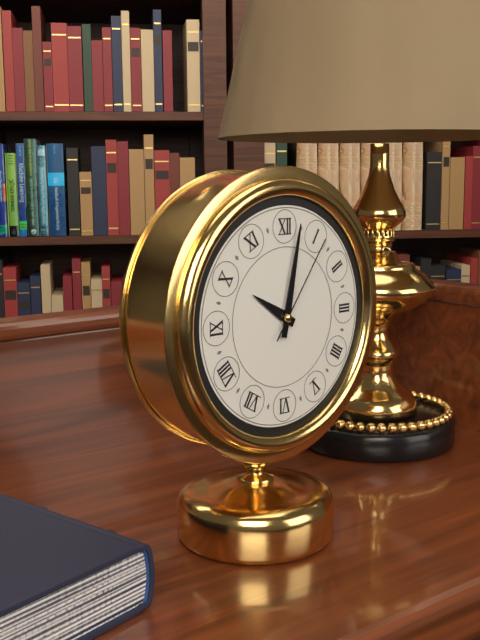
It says 10:02:06
